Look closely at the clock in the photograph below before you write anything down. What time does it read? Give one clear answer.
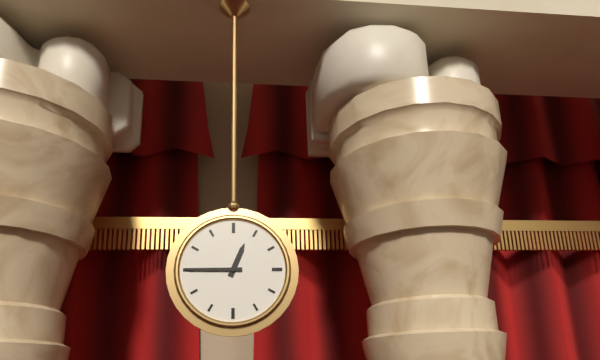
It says 12:45
